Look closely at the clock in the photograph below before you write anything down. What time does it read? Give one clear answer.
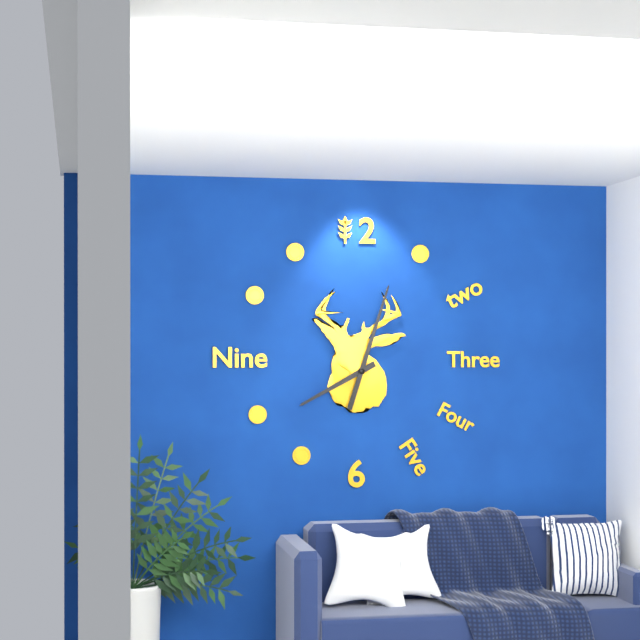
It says 8:03
